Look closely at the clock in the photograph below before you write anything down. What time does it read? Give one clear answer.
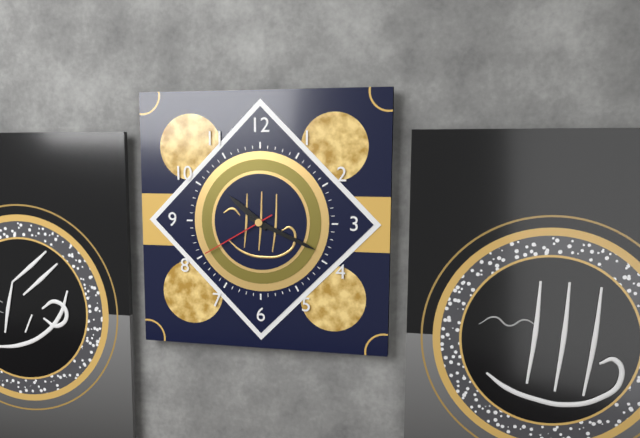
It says 10:19:40
